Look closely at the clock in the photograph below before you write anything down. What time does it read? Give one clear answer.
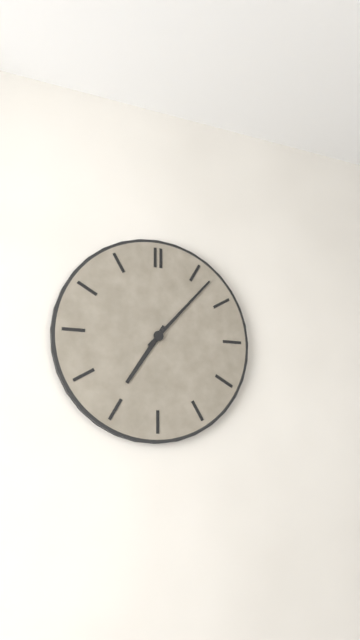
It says 7:07
